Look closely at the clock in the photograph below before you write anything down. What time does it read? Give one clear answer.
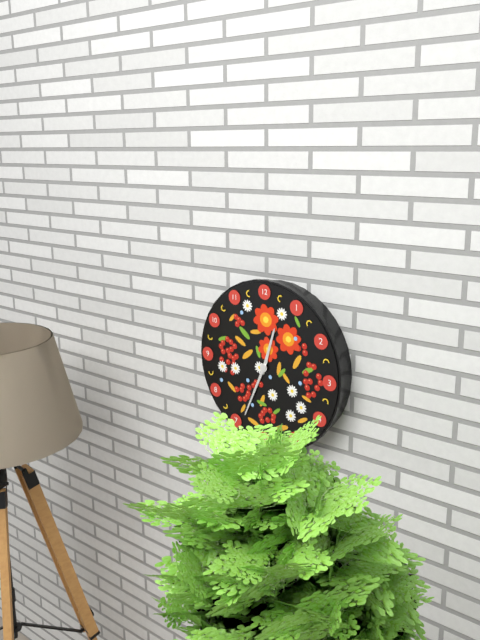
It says 12:34
